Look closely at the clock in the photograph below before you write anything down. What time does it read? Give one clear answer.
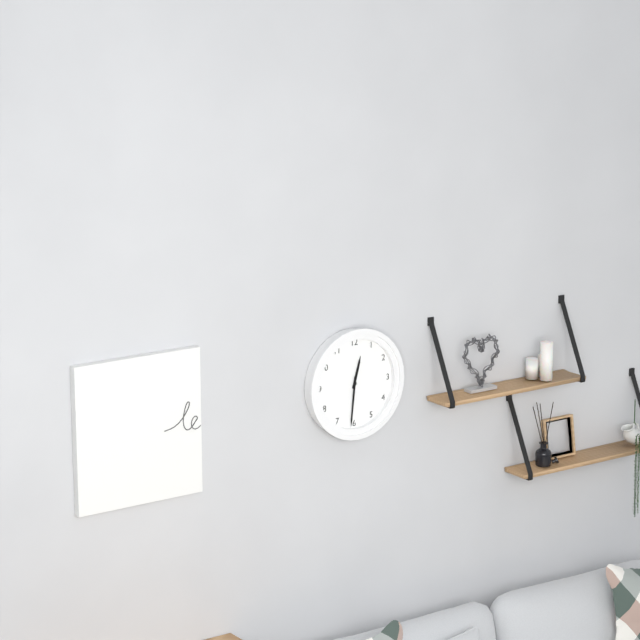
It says 12:31
